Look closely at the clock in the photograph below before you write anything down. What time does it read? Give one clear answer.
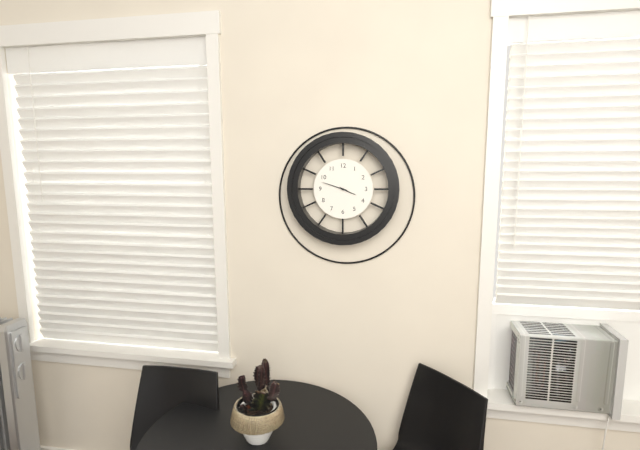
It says 3:48
